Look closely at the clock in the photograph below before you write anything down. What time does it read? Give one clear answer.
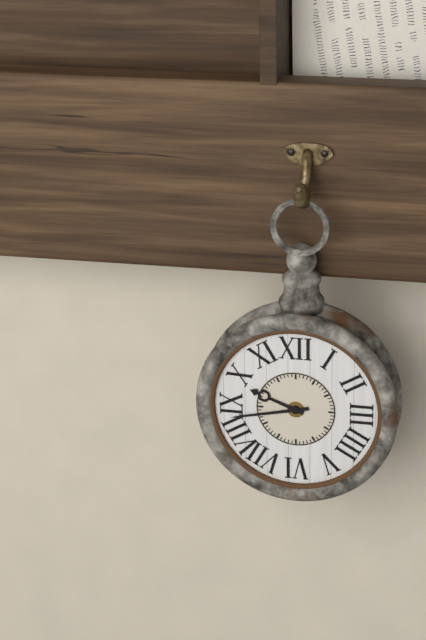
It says 9:43
